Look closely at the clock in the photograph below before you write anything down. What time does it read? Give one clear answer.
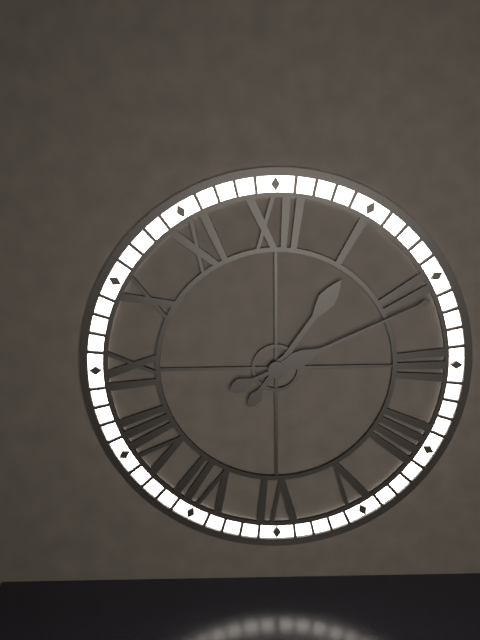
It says 1:11
